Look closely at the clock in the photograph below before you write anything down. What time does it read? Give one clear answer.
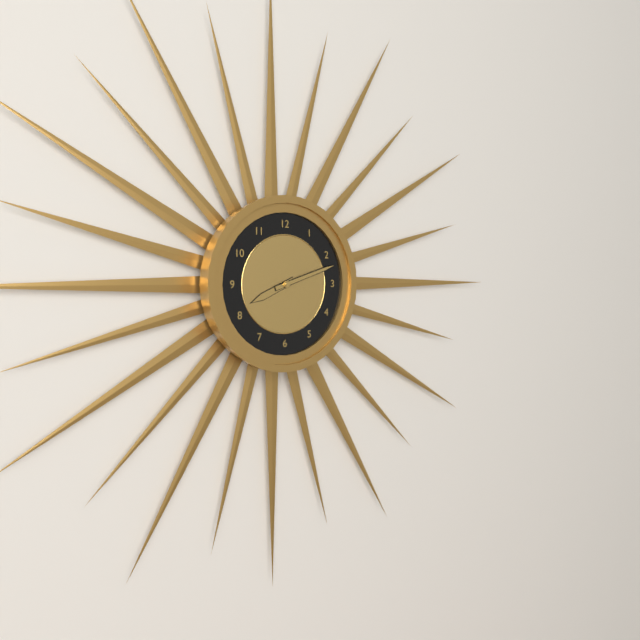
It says 8:12
